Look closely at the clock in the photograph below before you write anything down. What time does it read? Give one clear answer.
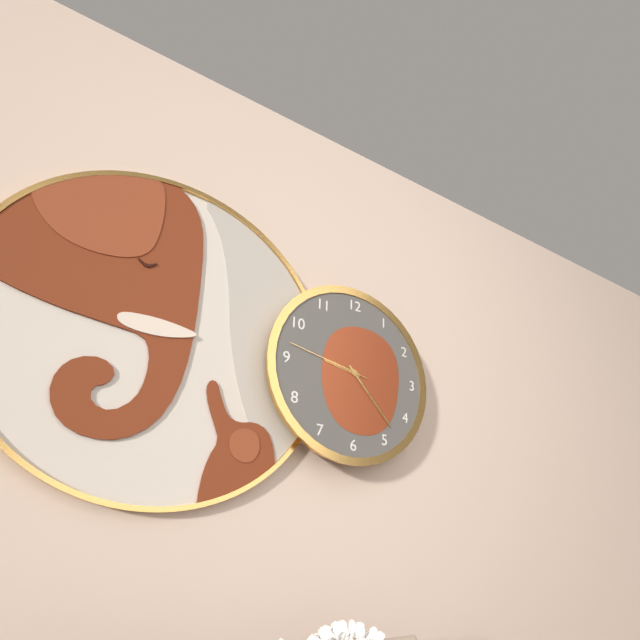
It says 9:23:47
